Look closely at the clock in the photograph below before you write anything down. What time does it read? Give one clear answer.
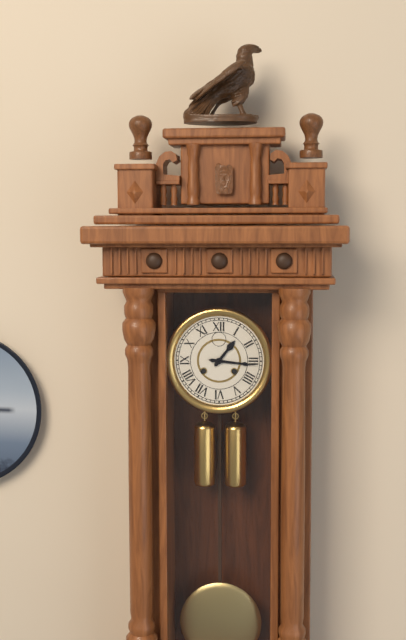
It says 1:16
